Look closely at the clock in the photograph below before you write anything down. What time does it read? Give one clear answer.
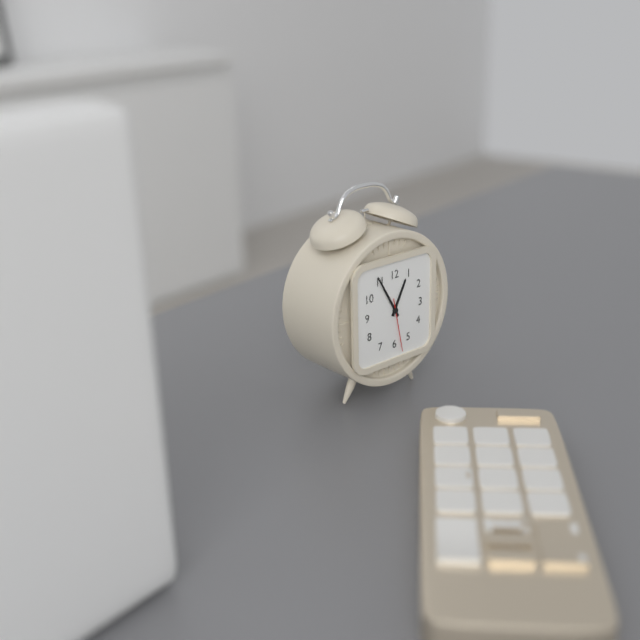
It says 12:55:28
